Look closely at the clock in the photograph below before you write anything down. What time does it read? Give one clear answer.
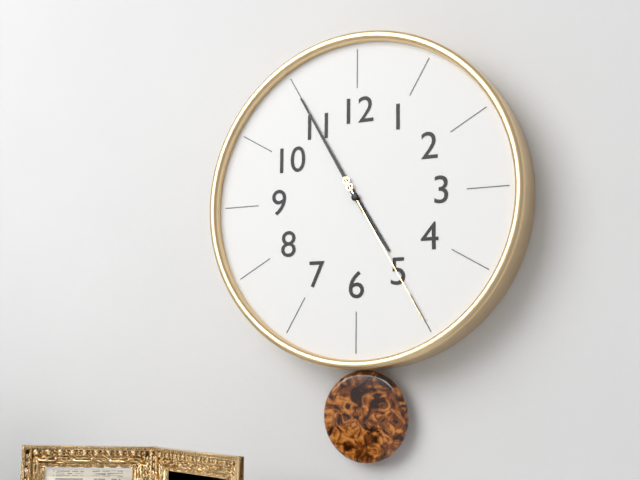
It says 4:55:25
